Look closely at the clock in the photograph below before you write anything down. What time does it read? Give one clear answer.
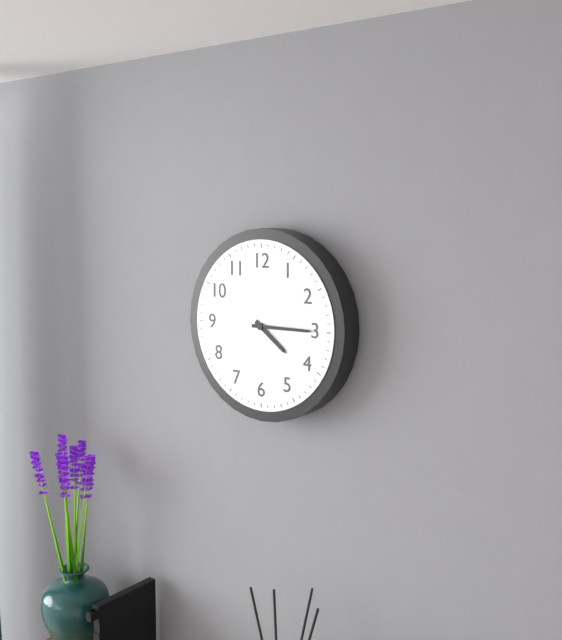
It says 4:15
